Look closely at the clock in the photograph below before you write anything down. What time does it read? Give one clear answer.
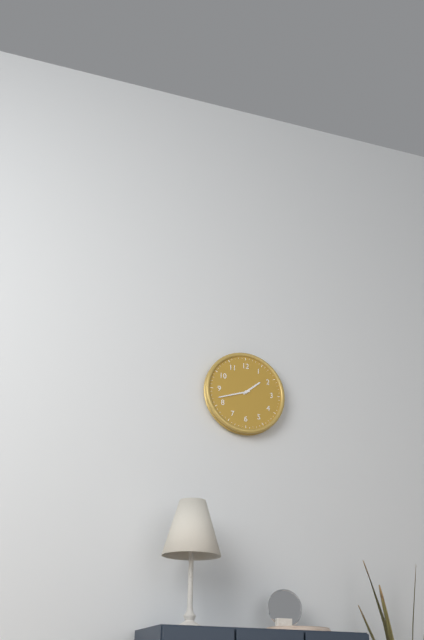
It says 1:42
